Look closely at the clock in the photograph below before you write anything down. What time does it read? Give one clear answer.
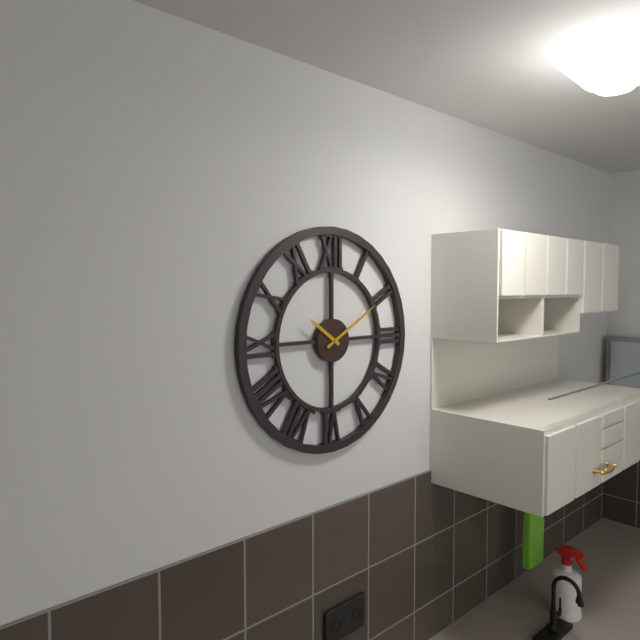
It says 10:10
